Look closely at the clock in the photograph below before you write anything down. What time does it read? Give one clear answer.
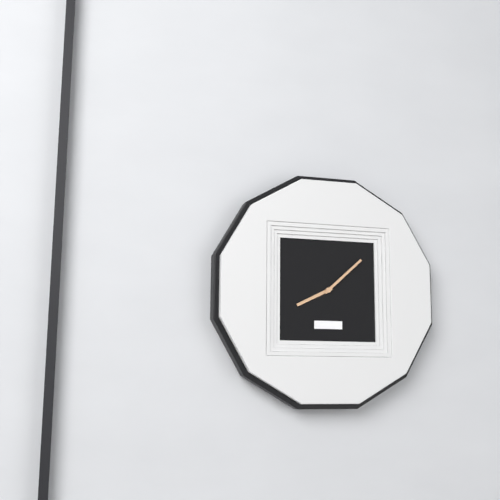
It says 8:08
